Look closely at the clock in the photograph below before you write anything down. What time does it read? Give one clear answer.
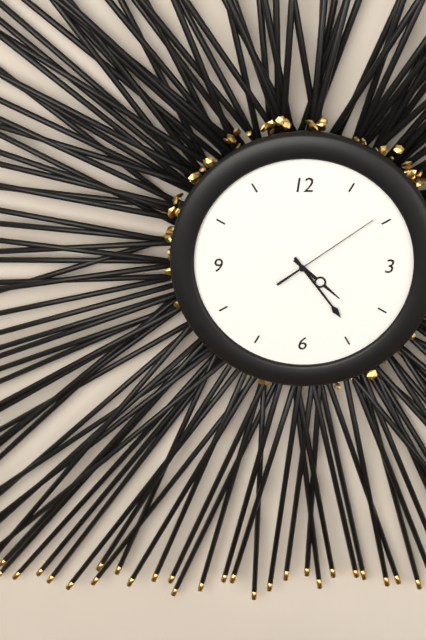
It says 4:24:09
